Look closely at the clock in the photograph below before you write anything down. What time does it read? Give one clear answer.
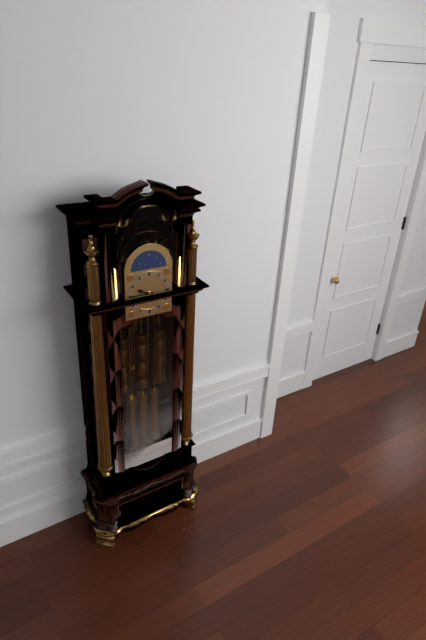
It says 9:45
